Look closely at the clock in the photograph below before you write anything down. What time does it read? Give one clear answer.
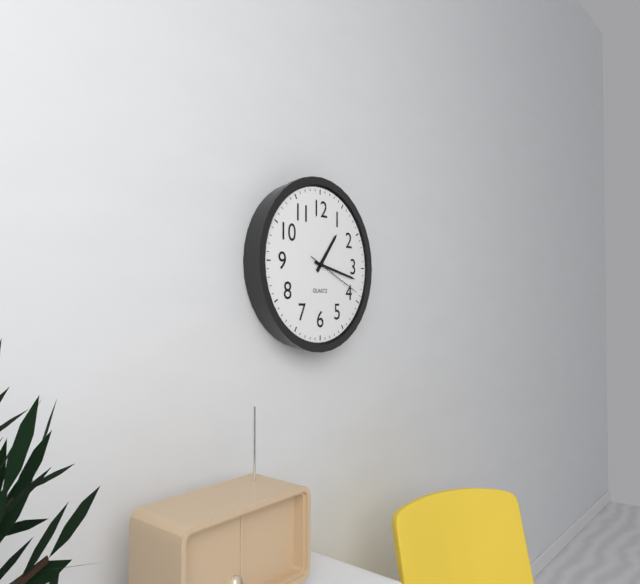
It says 1:17:19
